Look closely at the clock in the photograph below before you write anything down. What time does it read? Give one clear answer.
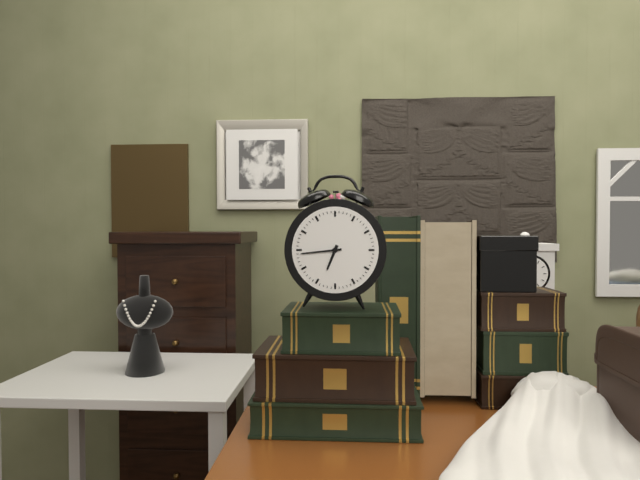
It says 6:44
